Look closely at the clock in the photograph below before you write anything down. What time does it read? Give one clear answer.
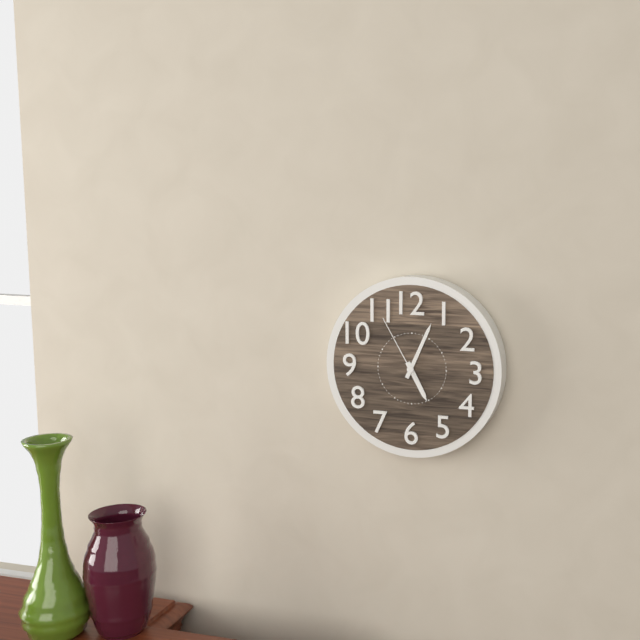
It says 5:04:55
